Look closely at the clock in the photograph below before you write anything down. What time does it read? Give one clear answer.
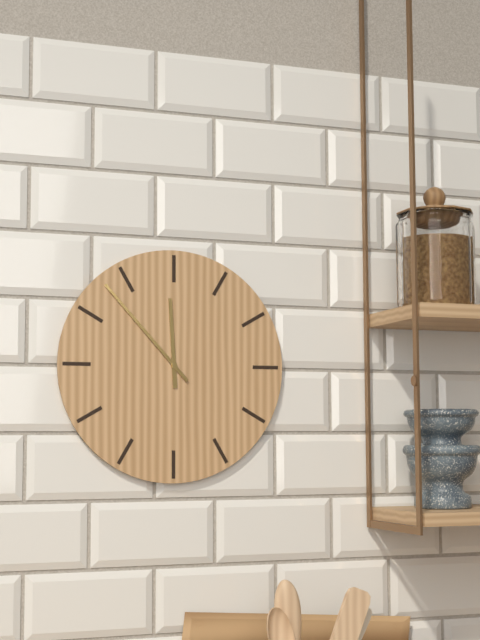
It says 11:53
